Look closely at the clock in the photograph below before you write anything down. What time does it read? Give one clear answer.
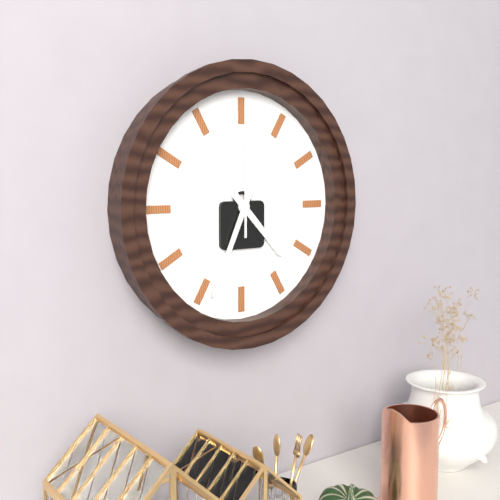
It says 4:34:00
